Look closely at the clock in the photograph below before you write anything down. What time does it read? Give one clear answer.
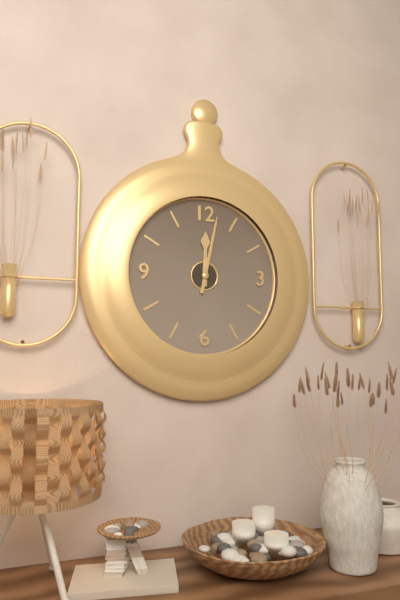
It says 12:02
